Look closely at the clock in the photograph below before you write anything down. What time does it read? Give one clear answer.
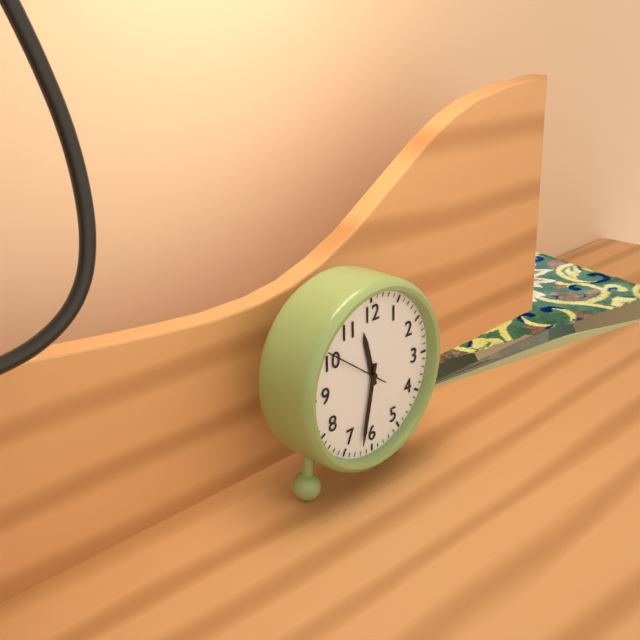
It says 11:32:51
